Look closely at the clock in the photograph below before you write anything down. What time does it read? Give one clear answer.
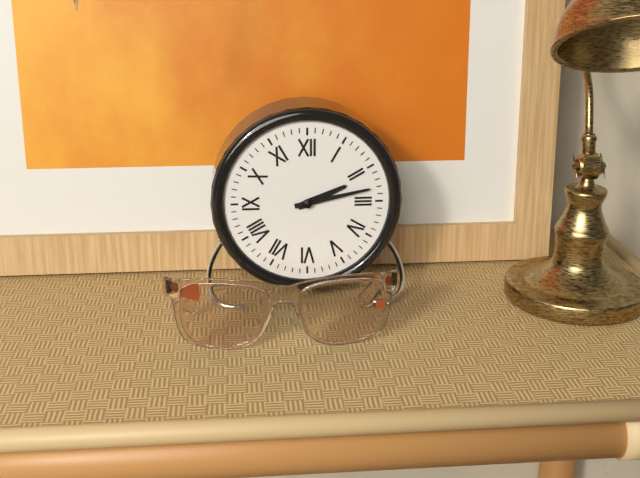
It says 2:13
